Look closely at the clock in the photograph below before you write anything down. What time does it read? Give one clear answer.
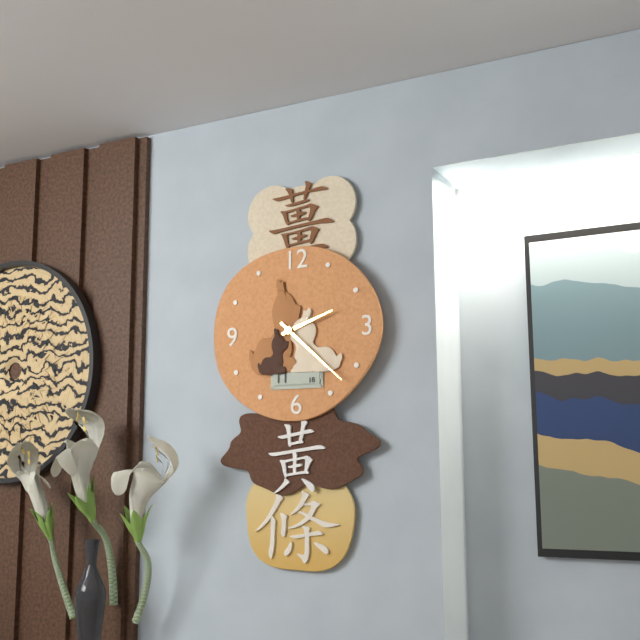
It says 2:22
